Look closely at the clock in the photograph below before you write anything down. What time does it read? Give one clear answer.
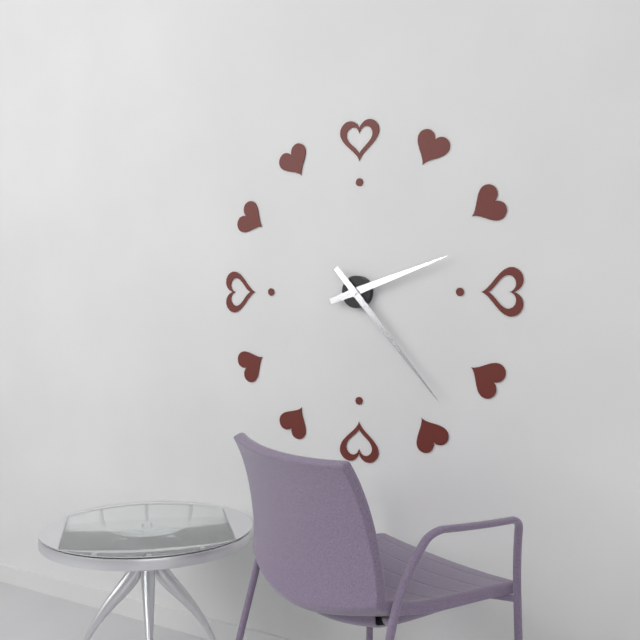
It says 2:23
